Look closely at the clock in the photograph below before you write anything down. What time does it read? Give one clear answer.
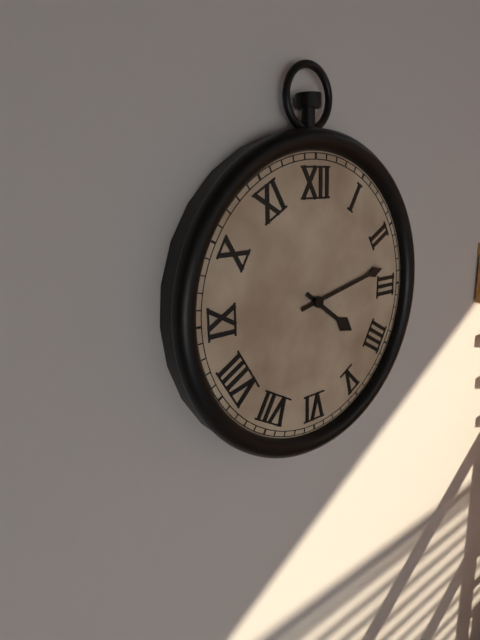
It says 4:13
